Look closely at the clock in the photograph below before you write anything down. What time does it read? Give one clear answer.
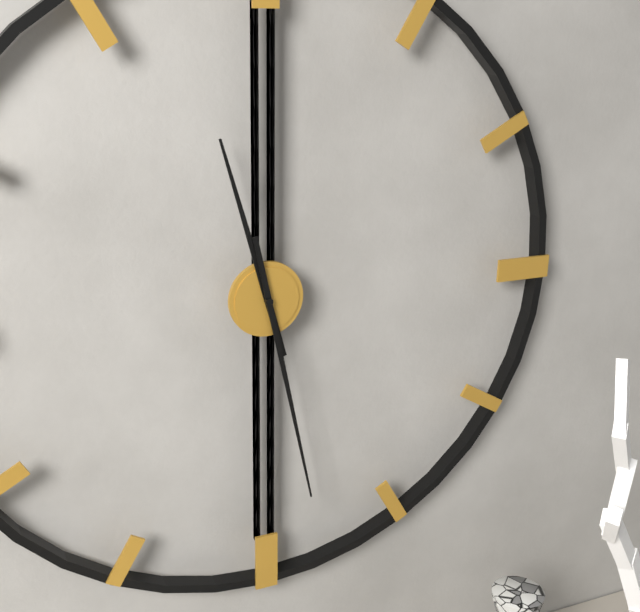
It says 11:28
